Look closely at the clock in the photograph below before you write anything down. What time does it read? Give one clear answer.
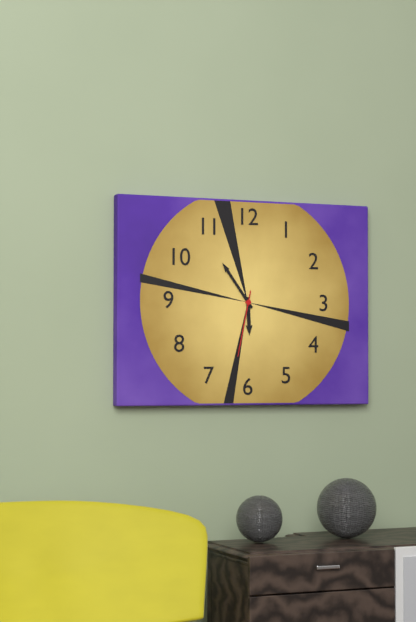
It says 5:54:32
